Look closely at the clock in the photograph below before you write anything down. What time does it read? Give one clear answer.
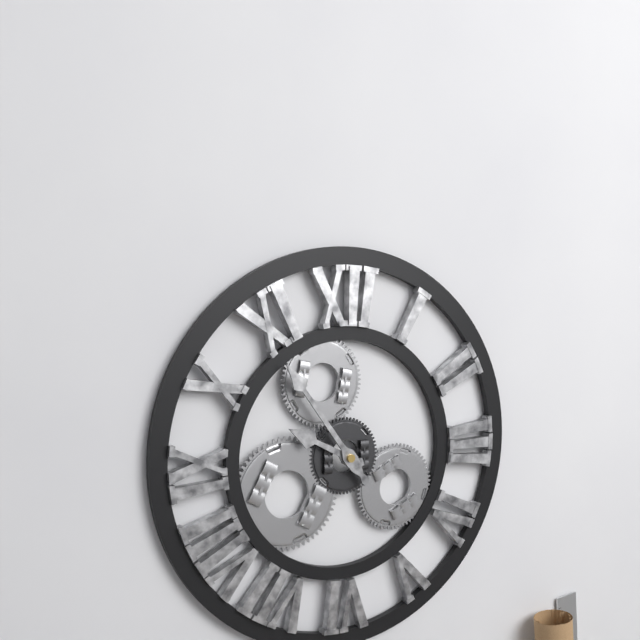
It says 9:54
